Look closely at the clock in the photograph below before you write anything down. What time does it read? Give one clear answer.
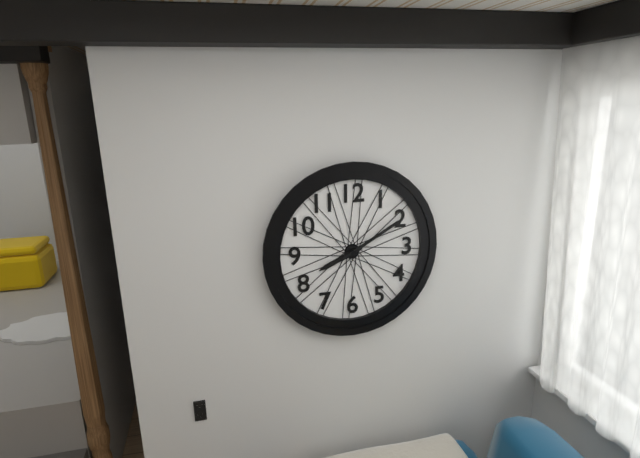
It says 8:10
